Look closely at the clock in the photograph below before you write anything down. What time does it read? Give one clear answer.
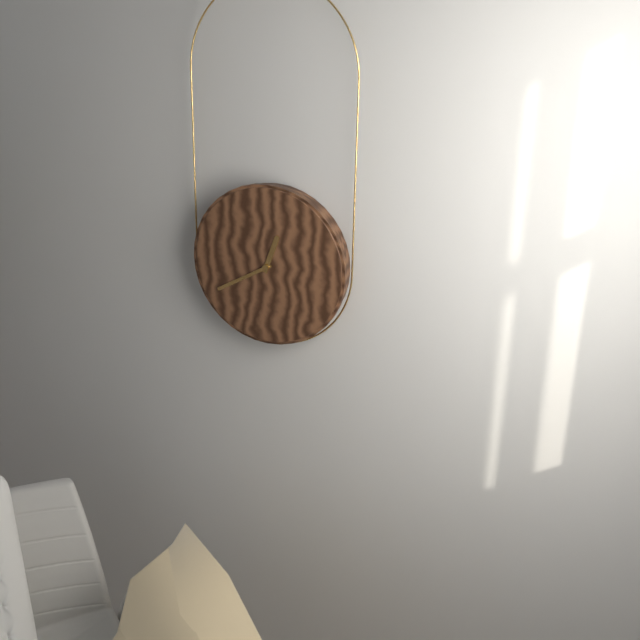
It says 12:40
